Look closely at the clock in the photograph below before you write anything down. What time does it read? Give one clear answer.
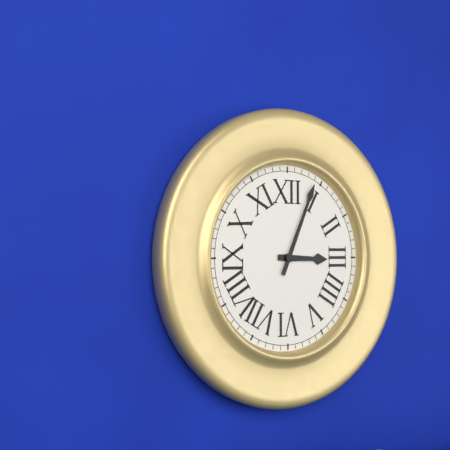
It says 3:04
